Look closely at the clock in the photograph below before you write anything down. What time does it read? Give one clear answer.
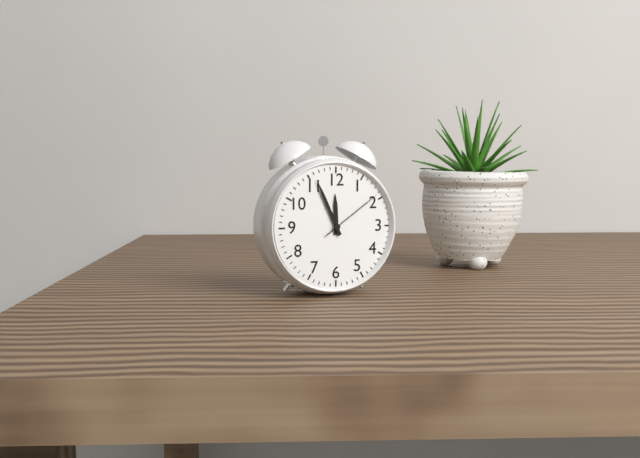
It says 11:56:09
